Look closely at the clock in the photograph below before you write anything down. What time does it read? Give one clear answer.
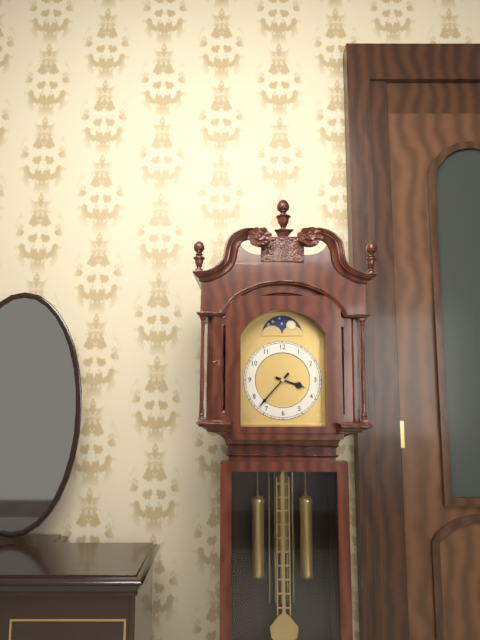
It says 3:37
